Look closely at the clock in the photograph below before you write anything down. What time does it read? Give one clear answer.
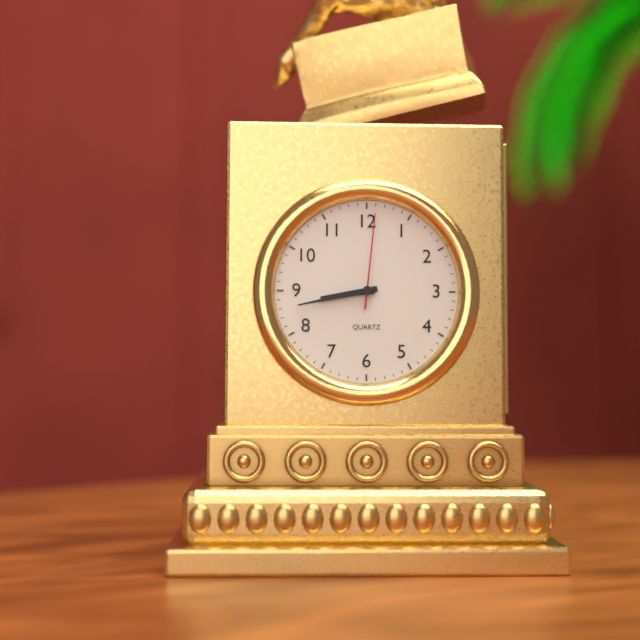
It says 8:43:01
